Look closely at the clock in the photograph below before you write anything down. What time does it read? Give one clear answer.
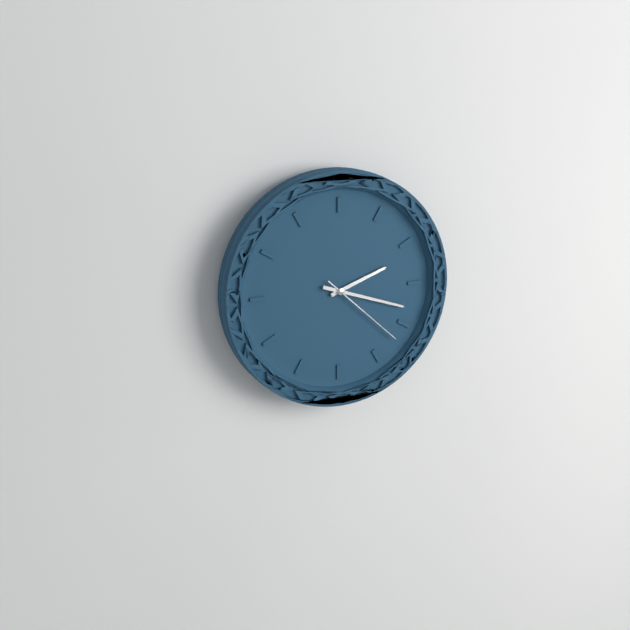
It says 2:18:22
